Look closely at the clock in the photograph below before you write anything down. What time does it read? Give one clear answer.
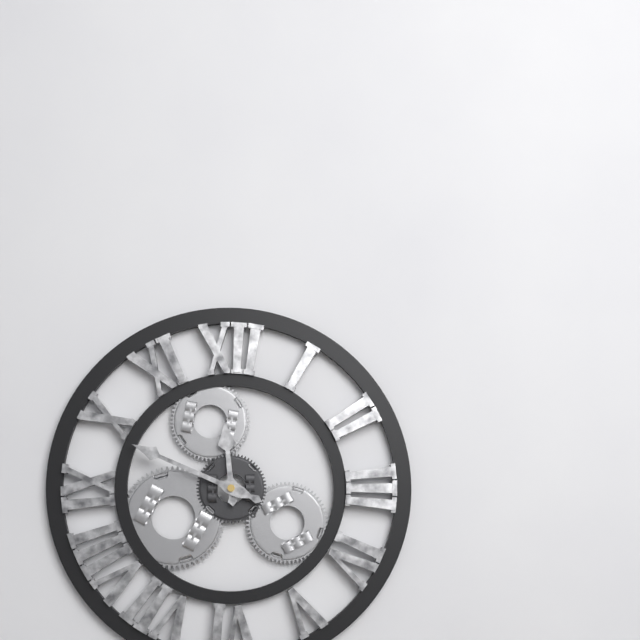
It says 11:49
